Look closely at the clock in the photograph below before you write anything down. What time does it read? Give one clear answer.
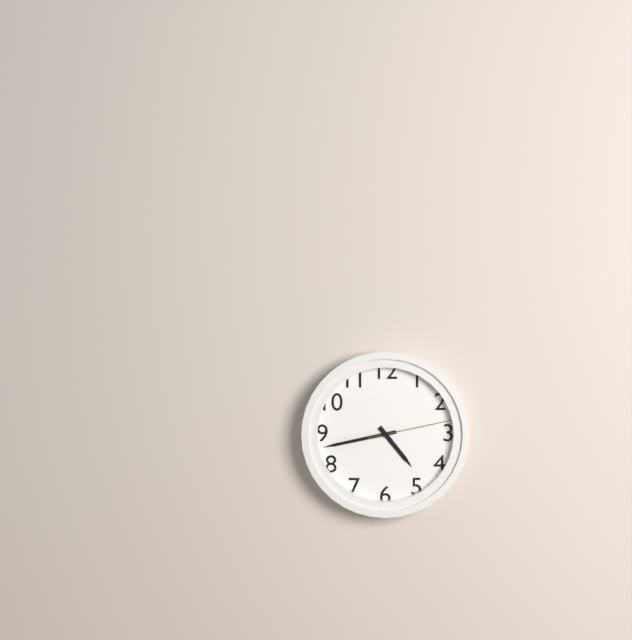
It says 4:43:13
